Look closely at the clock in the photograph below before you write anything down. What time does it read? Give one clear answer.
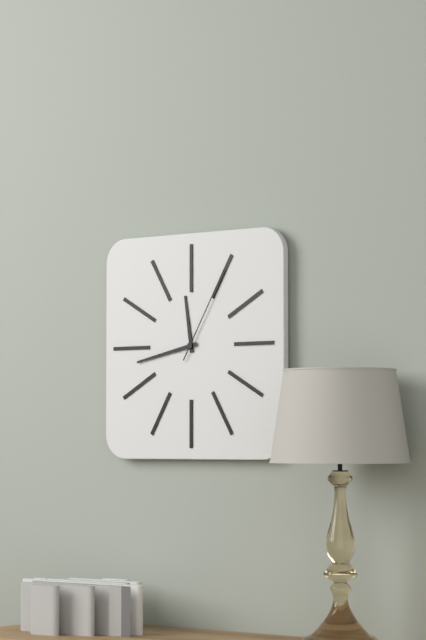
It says 11:43:05
